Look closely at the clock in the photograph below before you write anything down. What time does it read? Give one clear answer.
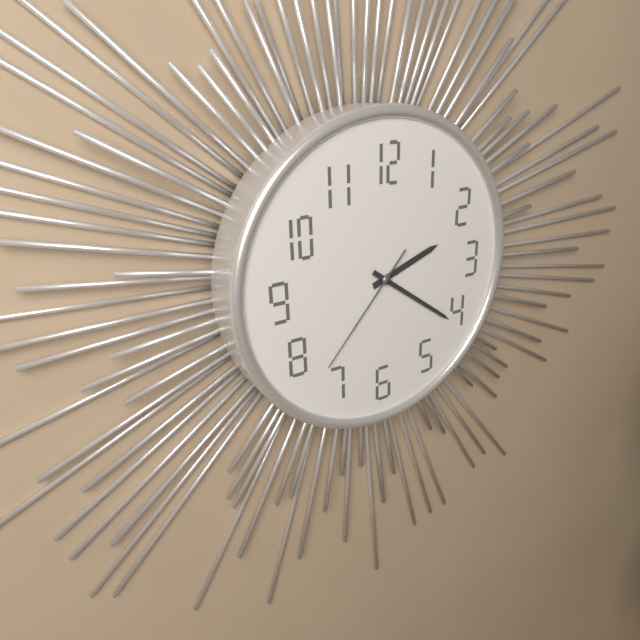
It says 2:21:37
